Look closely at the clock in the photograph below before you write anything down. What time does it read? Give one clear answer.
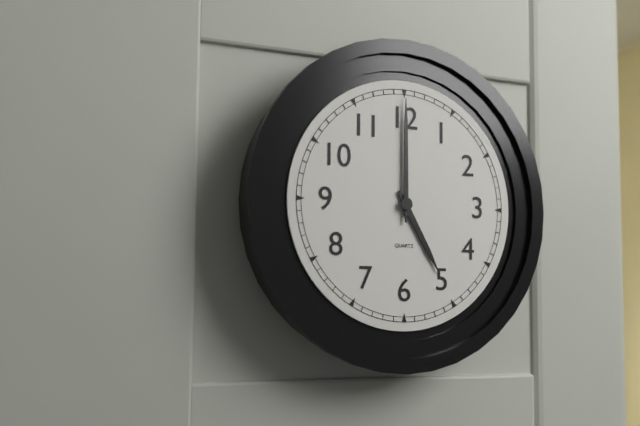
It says 5:00
